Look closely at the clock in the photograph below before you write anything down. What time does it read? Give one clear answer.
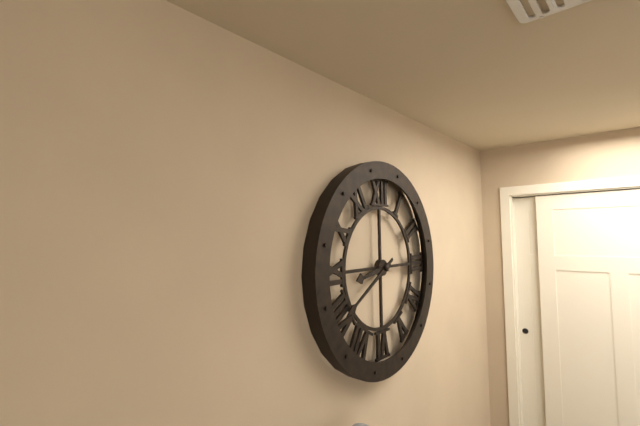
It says 8:40
